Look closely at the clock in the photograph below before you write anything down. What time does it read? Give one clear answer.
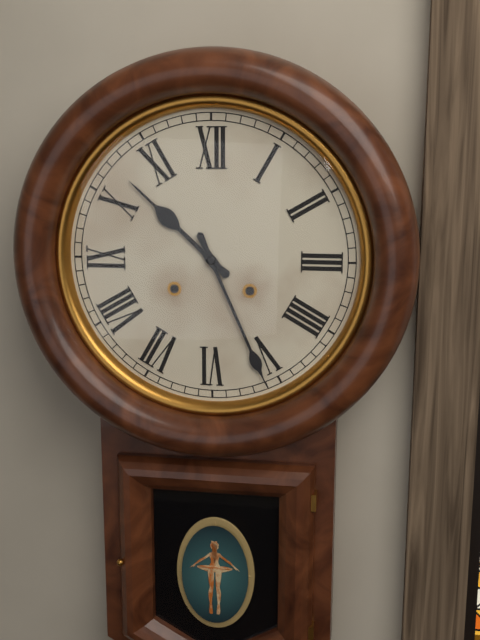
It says 10:26
